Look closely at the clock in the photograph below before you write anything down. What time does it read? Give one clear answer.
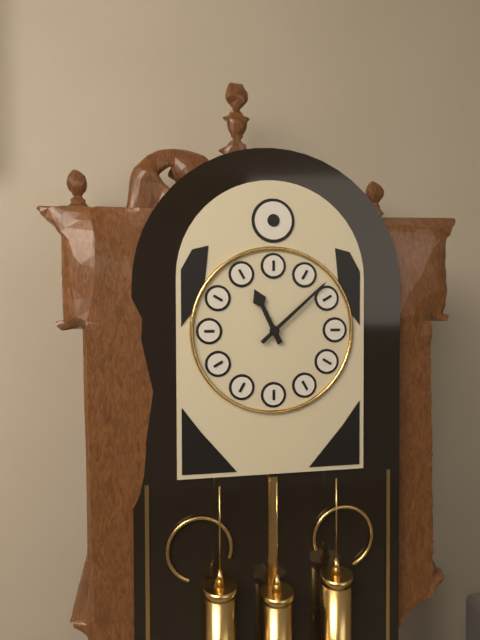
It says 11:08
